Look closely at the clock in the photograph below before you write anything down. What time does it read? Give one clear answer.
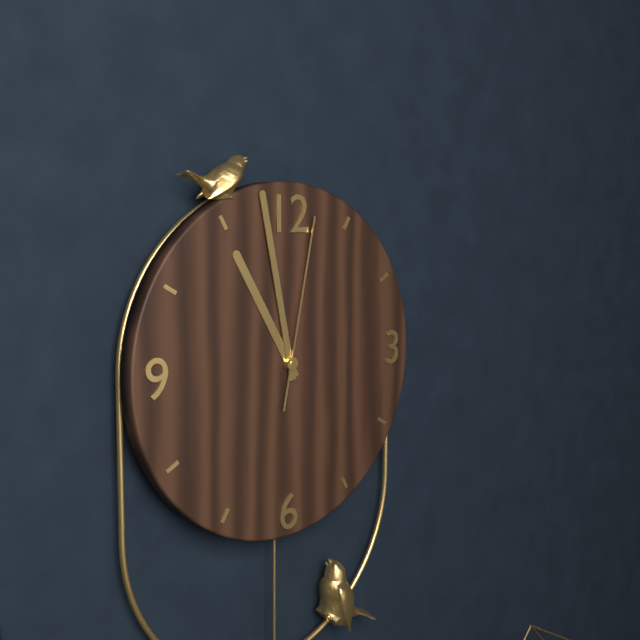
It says 10:58:02
